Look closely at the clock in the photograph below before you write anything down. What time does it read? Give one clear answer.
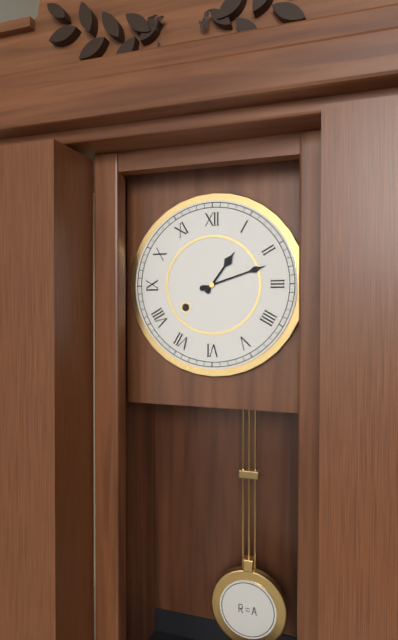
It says 1:12
